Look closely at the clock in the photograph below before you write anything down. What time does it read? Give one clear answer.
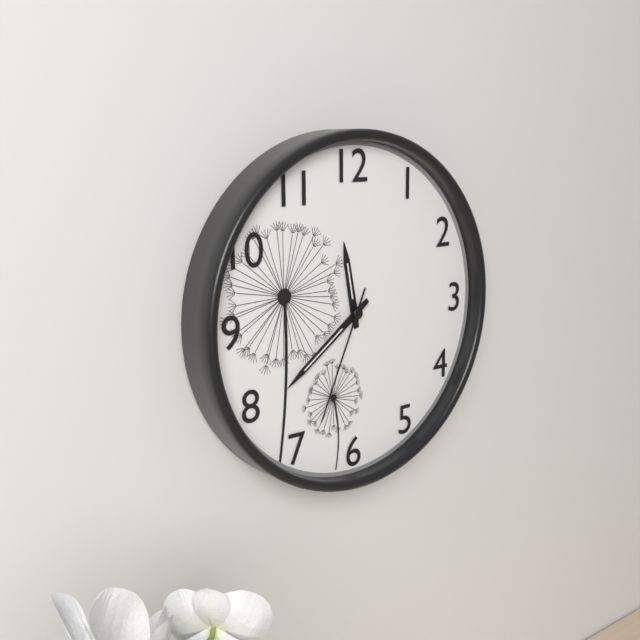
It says 11:39:34
